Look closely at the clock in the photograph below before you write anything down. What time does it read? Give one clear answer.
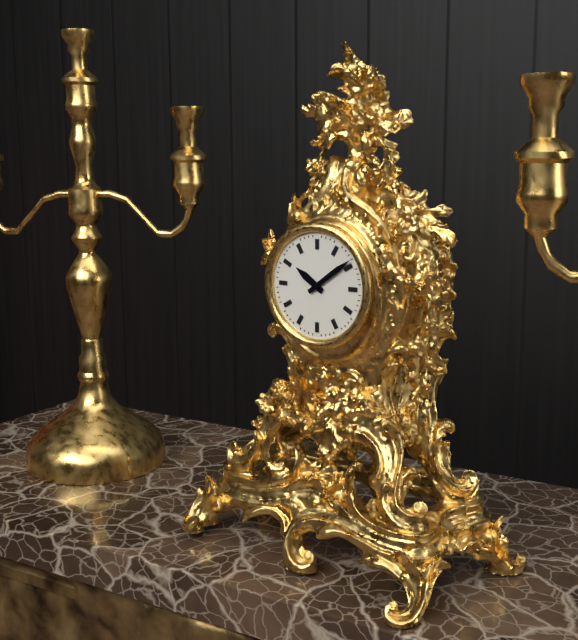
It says 10:09
